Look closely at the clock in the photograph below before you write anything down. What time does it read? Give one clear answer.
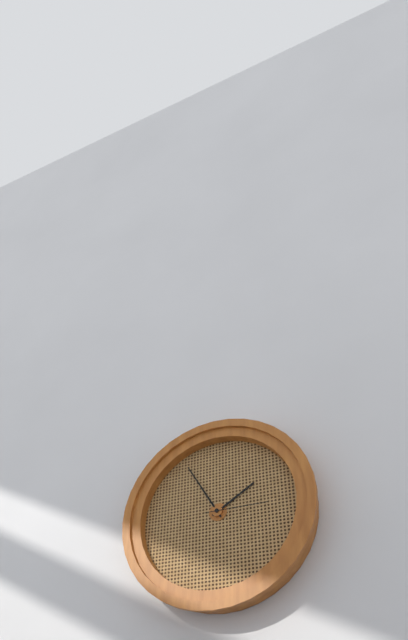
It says 1:55:15
